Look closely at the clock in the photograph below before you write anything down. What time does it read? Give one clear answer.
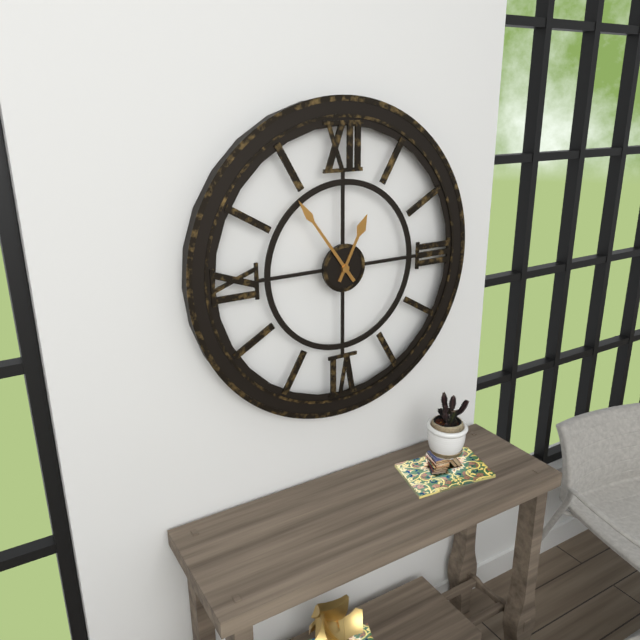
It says 12:54
